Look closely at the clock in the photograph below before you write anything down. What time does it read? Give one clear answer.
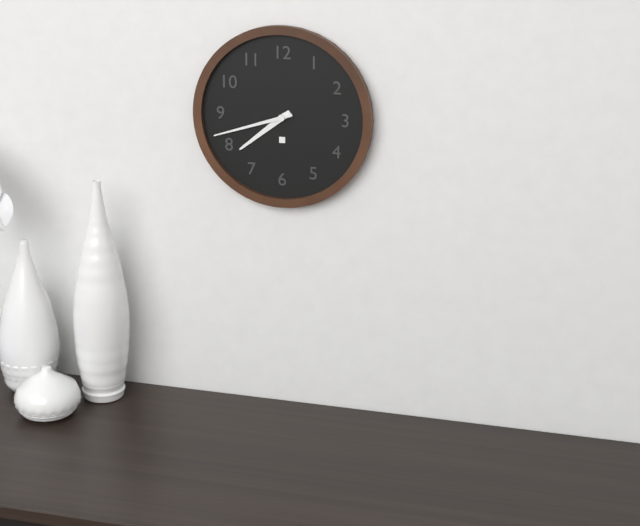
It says 7:42
